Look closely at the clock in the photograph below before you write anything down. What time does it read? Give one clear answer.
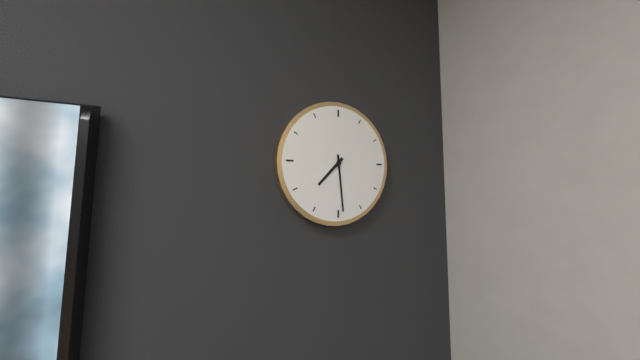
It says 7:29
